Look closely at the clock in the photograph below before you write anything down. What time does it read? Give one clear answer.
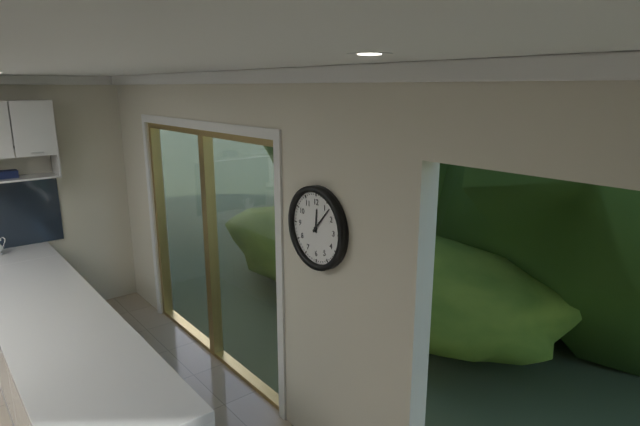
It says 12:07
